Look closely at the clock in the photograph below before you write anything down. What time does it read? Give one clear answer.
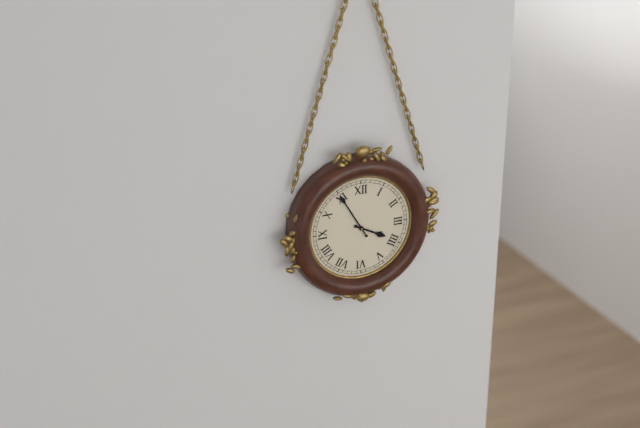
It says 3:55
